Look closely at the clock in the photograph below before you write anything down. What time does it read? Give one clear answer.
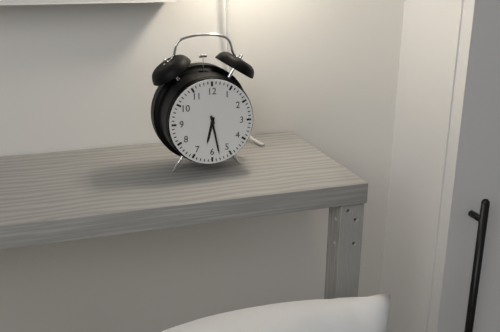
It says 6:28
